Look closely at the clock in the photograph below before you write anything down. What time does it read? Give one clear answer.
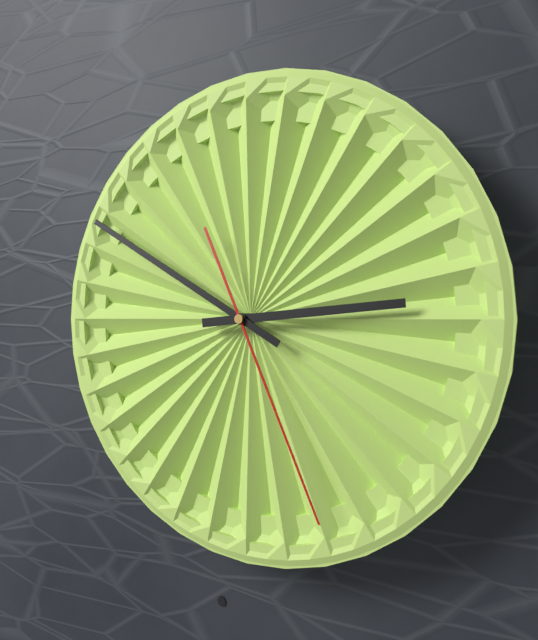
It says 2:50:26
